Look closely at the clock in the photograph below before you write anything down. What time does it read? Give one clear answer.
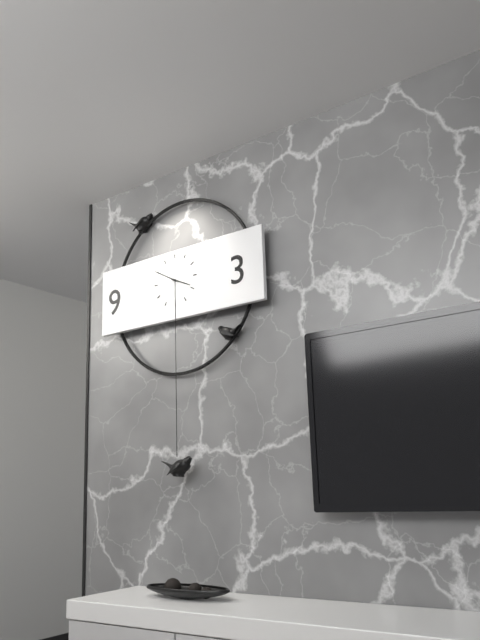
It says 3:50
